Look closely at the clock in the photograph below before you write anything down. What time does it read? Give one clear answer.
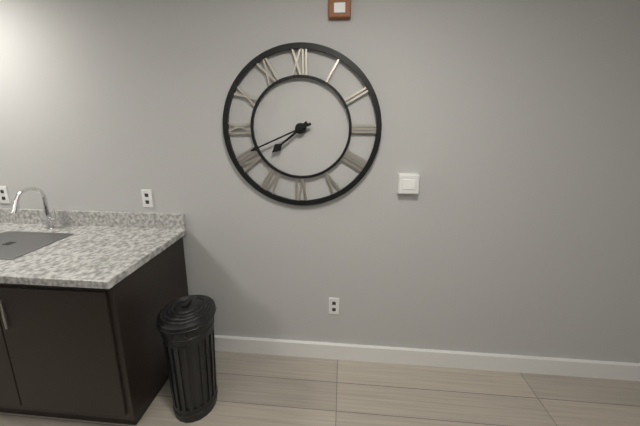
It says 7:41
